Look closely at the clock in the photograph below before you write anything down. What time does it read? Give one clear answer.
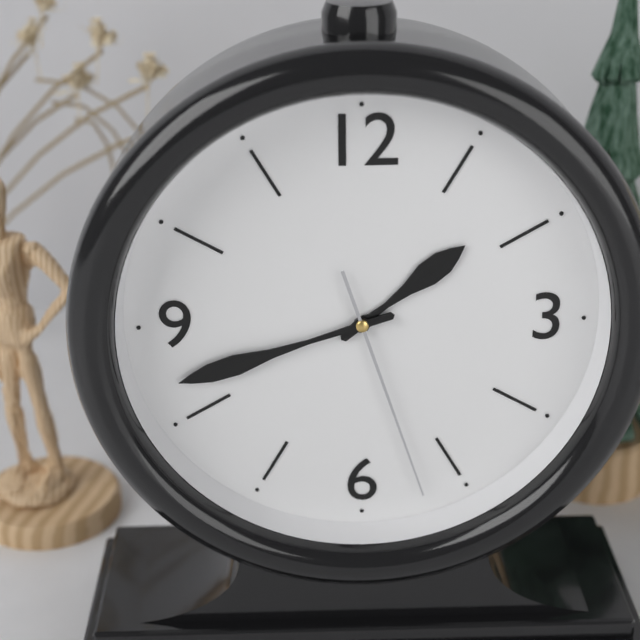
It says 1:42:27
